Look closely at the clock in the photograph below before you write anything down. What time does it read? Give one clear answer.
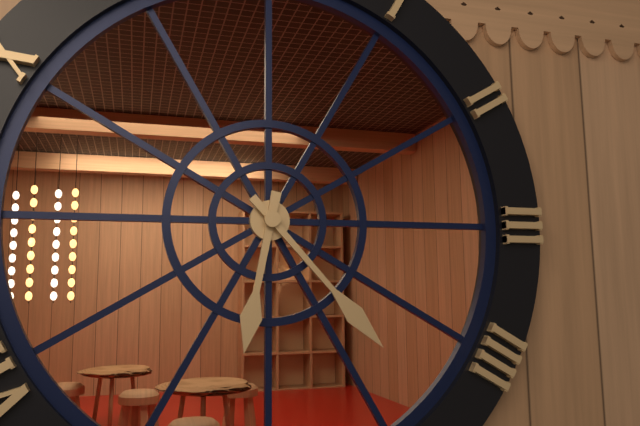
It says 6:23
